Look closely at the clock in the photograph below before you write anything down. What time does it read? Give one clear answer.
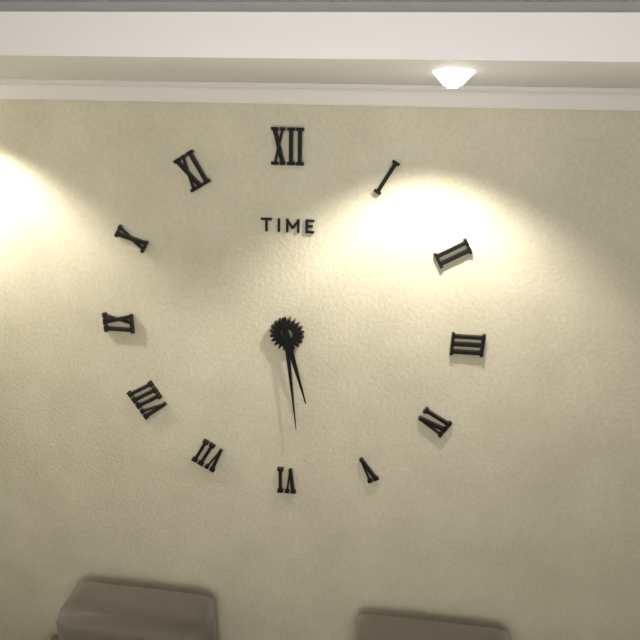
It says 5:29
